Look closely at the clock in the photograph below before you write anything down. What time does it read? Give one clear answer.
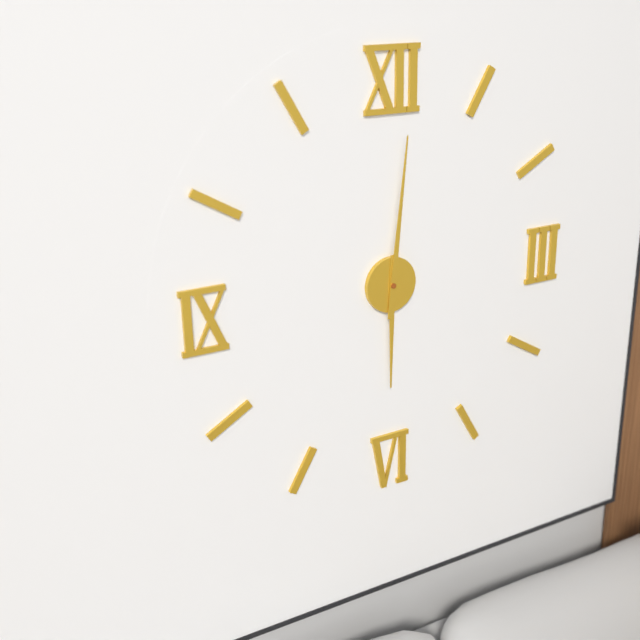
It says 6:01
